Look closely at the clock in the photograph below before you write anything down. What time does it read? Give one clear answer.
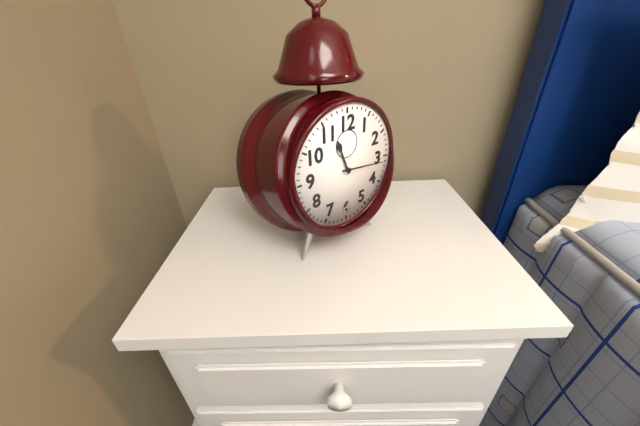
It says 11:16
